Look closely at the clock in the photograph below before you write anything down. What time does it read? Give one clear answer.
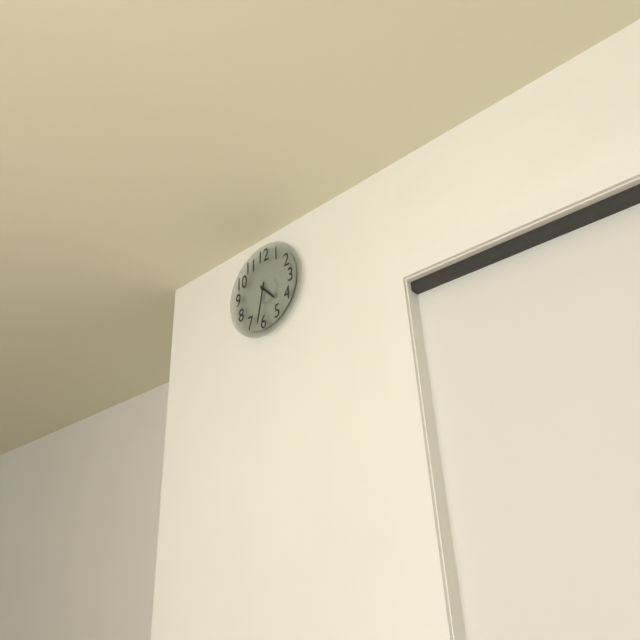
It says 4:32
